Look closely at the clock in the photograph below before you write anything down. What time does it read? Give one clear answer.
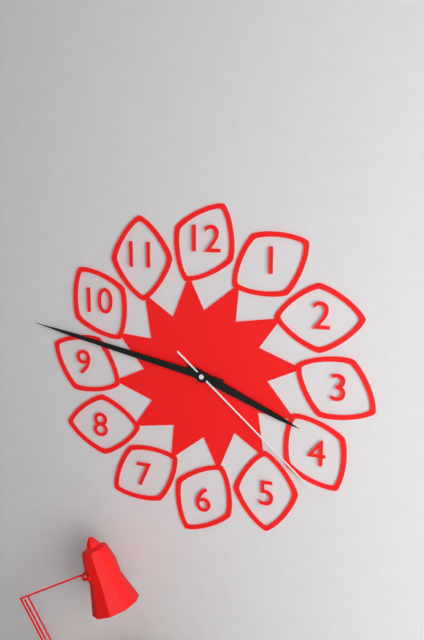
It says 3:47:22
